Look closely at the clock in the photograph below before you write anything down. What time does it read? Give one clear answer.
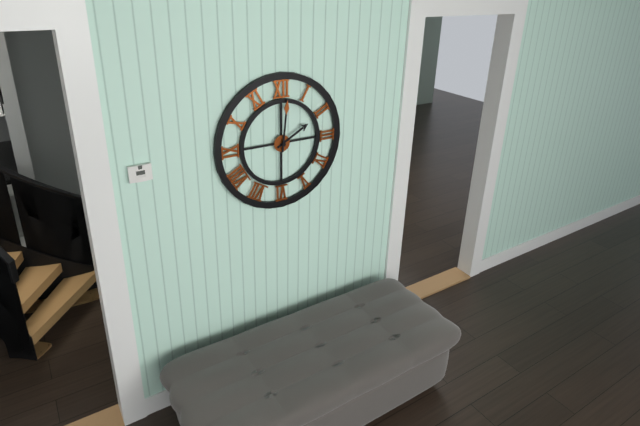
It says 2:01
